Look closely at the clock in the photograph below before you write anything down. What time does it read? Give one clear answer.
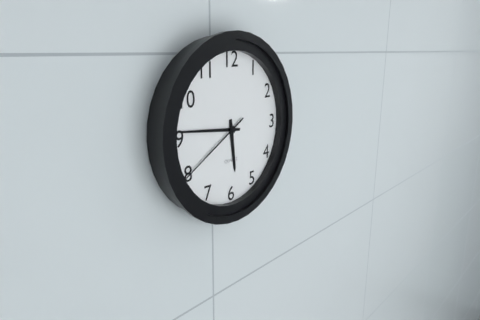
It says 5:46:40
